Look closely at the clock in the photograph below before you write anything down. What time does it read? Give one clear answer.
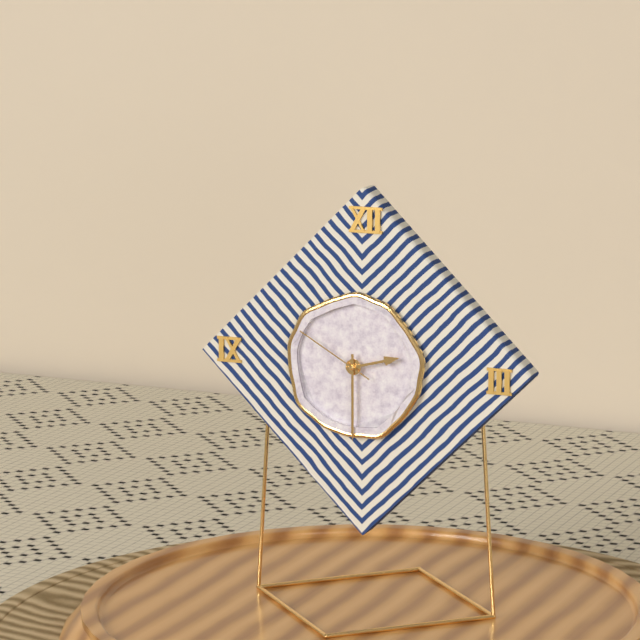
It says 2:30:50
